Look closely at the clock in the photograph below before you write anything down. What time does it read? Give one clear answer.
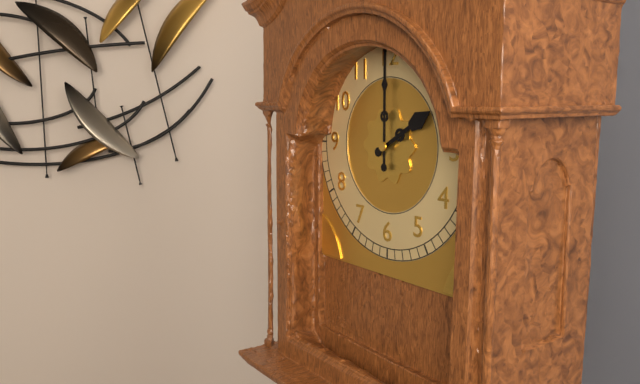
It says 2:00
